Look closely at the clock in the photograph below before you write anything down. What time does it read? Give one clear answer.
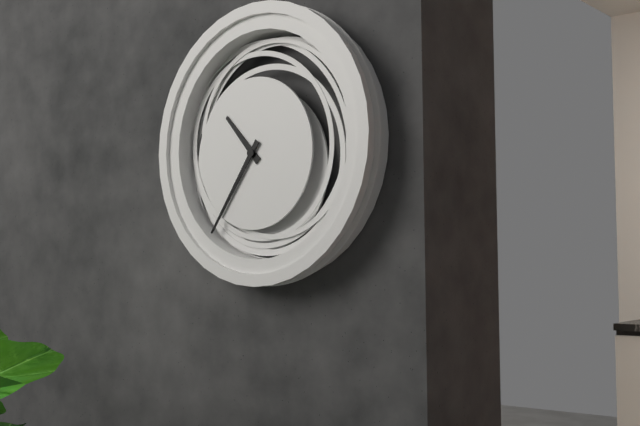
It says 10:36
